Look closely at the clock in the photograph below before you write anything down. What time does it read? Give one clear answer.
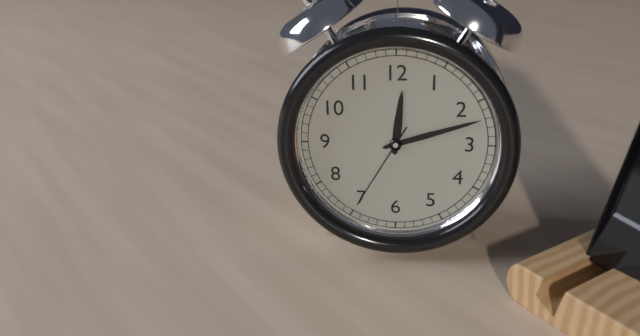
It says 12:12:35
